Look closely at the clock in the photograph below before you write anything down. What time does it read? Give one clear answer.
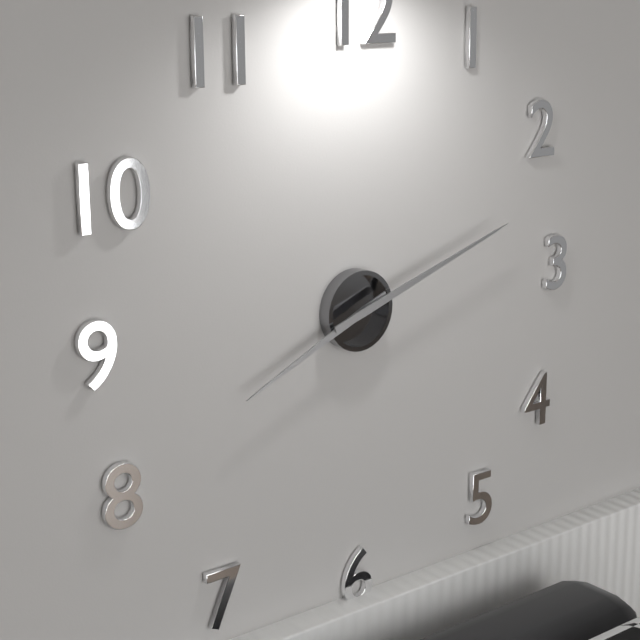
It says 8:12
